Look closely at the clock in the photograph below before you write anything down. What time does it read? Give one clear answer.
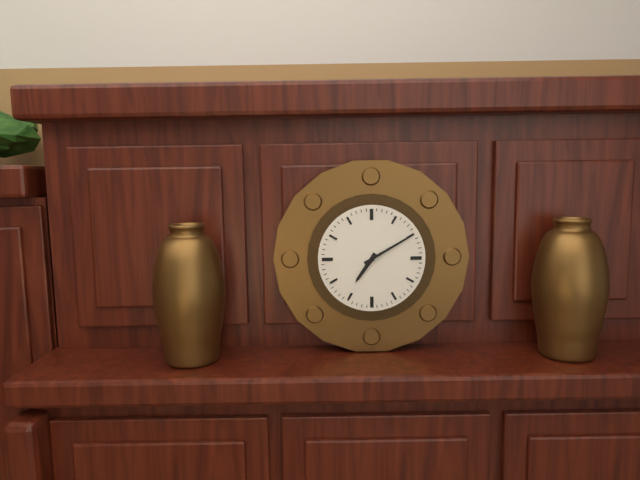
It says 7:10
